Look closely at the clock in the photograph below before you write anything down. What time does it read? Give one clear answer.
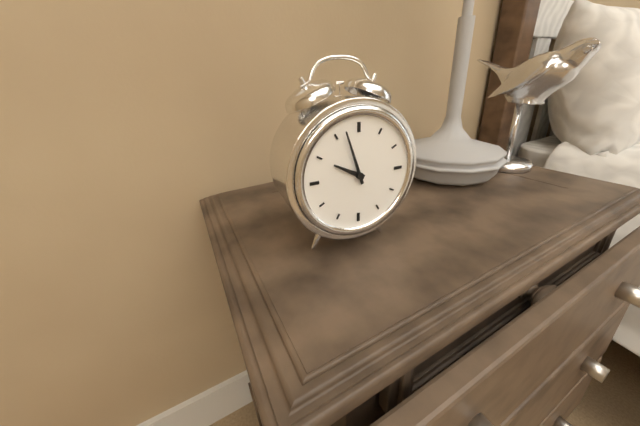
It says 9:57
